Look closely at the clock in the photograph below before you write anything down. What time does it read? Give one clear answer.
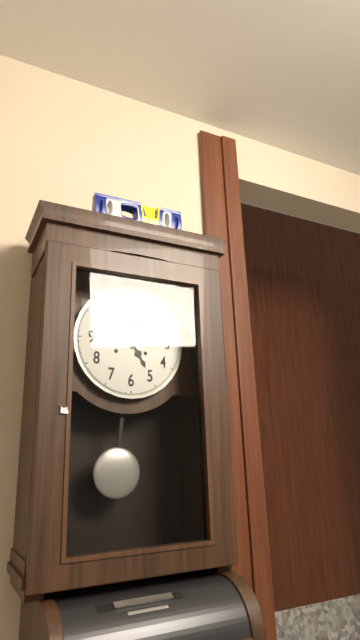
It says 4:59
